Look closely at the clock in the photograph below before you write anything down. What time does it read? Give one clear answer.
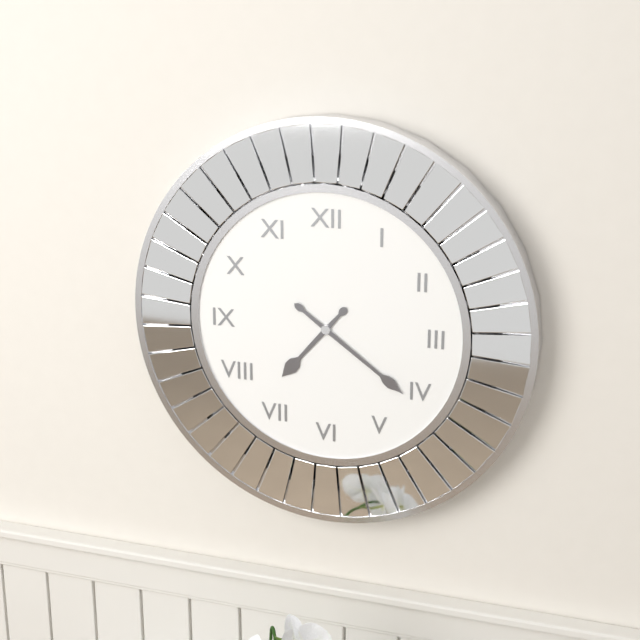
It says 7:21
